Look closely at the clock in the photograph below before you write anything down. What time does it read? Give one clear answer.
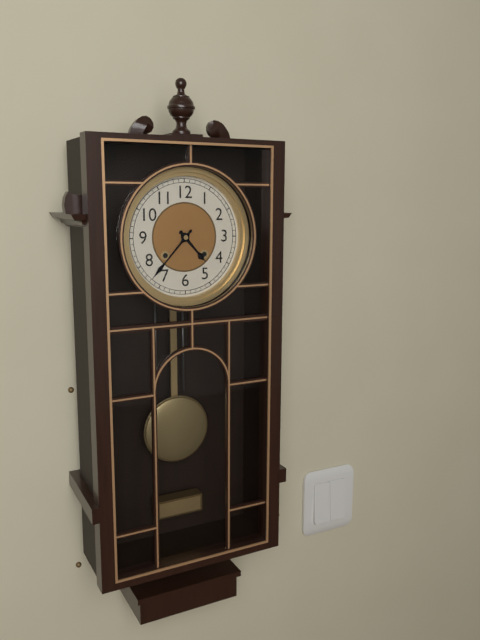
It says 4:37
